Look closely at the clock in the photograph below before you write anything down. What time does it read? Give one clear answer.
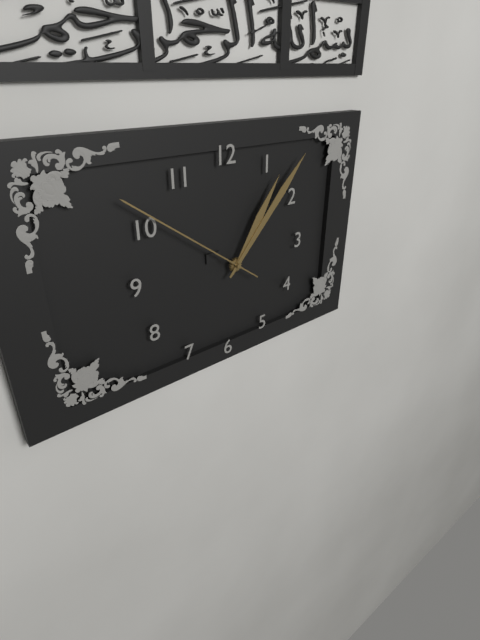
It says 1:07:51
